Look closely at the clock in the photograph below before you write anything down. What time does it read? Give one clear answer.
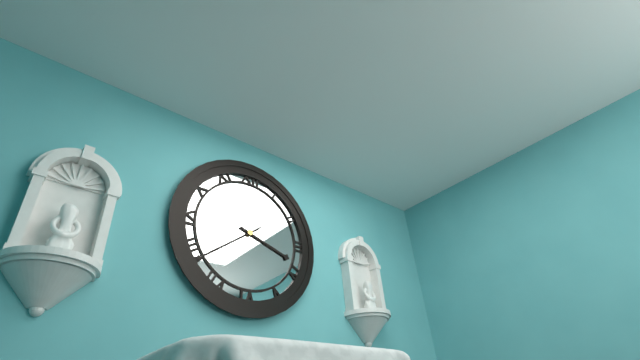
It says 3:39
